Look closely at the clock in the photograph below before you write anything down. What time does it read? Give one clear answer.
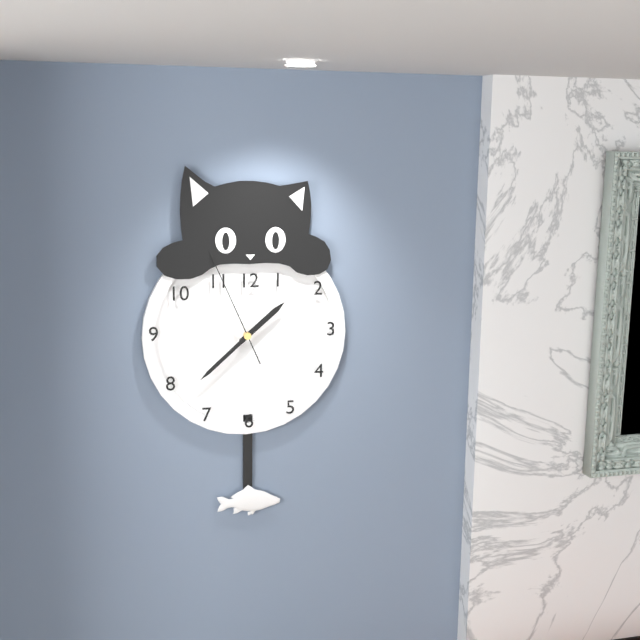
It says 1:38:56
